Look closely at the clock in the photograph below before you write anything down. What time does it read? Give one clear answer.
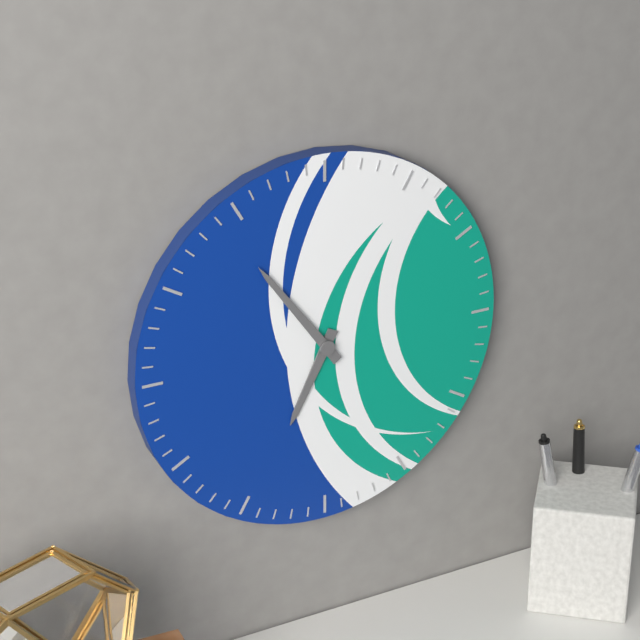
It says 6:54
